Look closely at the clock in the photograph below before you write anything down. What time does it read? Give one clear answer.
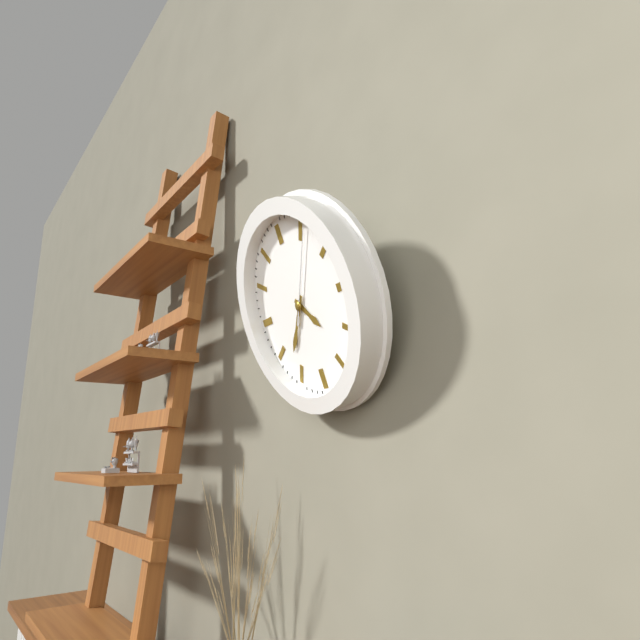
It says 4:37:06
